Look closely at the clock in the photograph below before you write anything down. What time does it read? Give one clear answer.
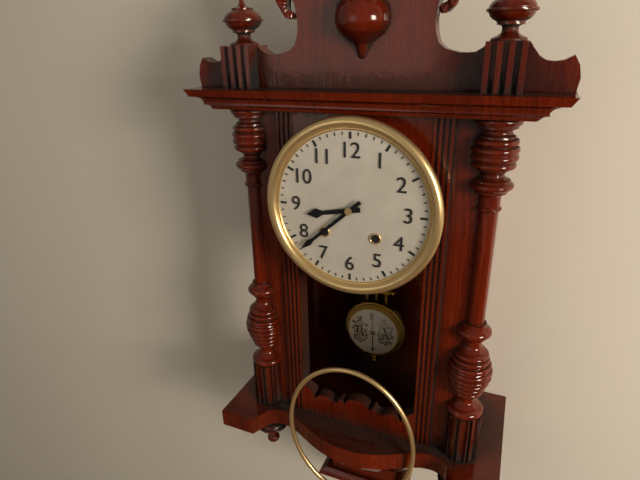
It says 8:38
